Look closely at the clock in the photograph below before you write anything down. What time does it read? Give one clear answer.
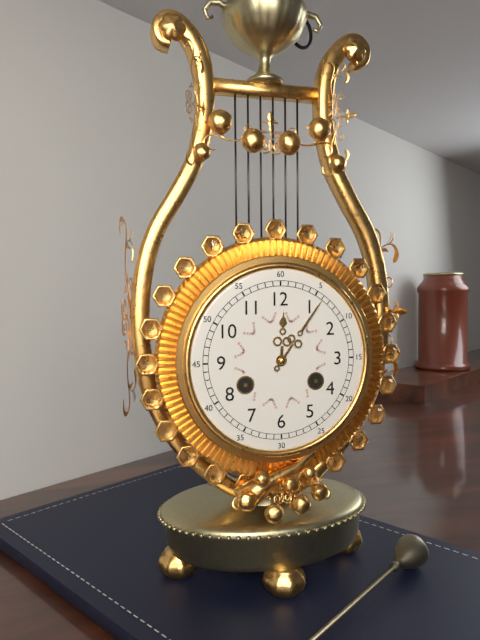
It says 12:06
